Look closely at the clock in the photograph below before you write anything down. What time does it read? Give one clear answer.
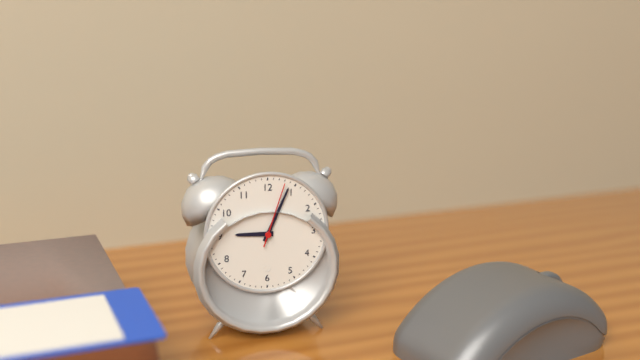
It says 9:04:03
